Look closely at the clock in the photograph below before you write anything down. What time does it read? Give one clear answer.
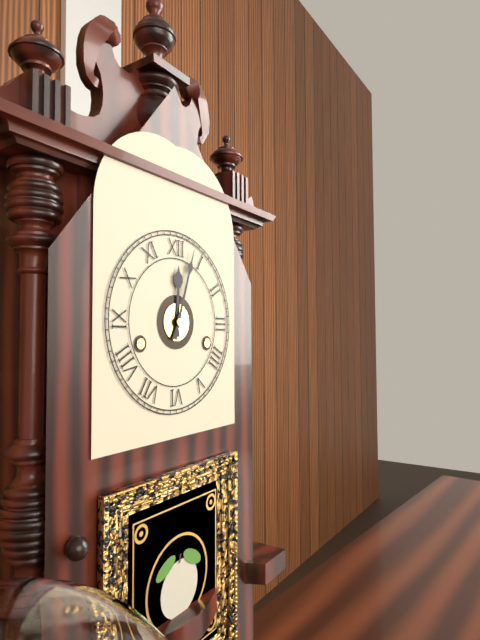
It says 12:03
